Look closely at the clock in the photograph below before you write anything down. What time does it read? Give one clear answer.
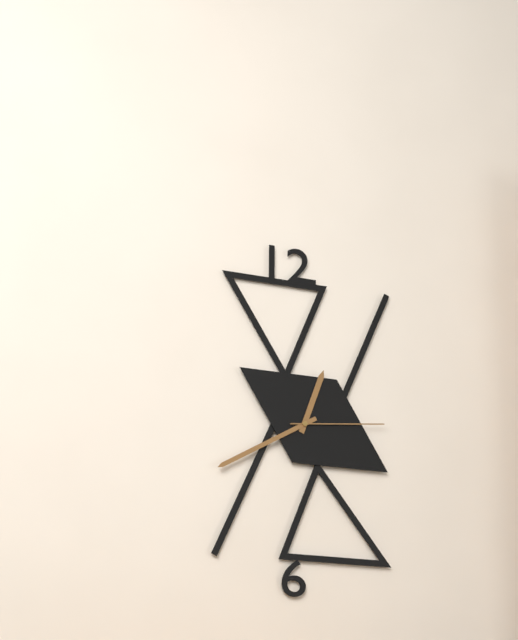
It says 12:40:14
